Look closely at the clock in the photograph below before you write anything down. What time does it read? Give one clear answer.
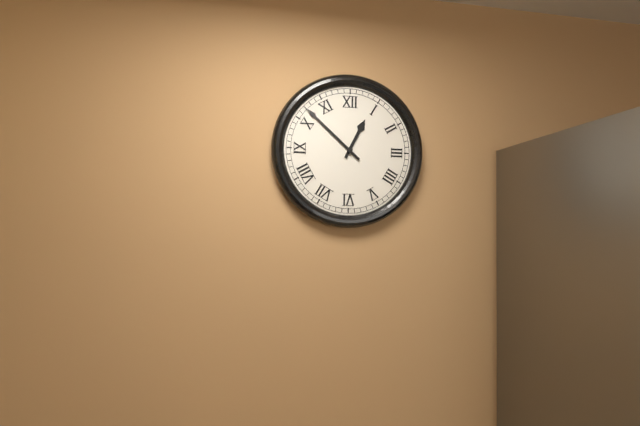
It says 12:52
